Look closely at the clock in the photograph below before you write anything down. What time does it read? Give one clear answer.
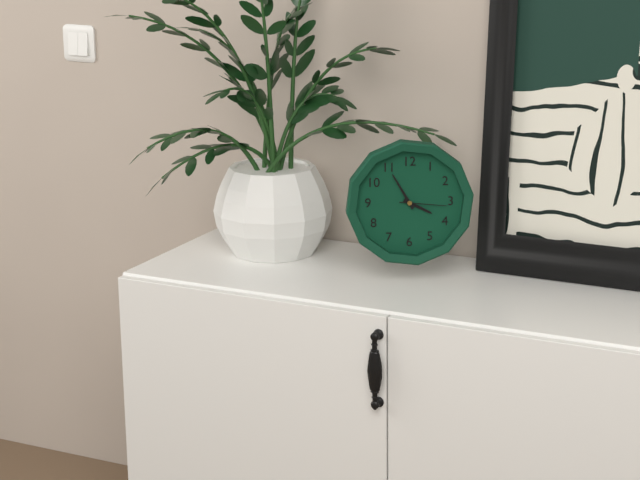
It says 3:55
